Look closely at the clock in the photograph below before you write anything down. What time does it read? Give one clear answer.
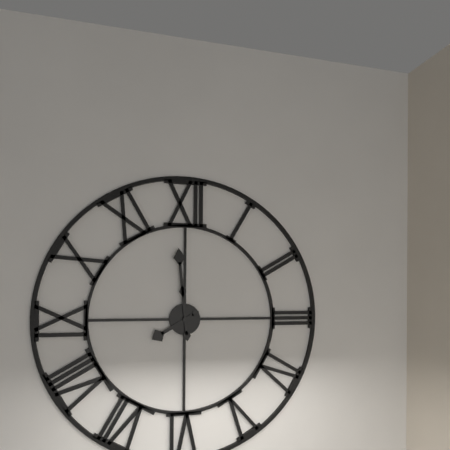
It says 7:59
